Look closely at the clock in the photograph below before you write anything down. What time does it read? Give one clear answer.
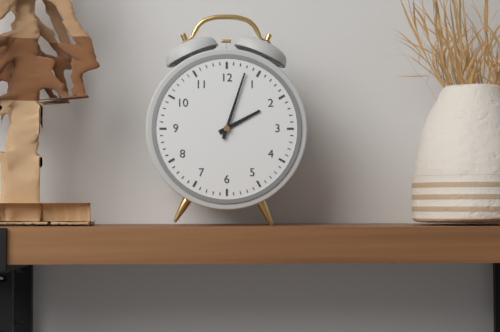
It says 2:03
